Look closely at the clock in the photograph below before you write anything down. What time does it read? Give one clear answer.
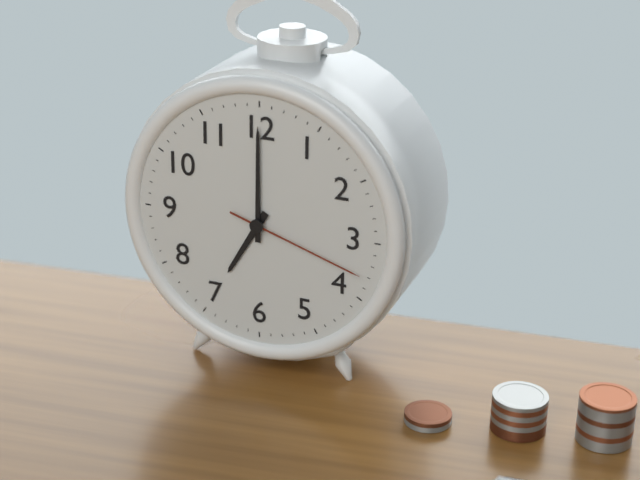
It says 7:00:18
